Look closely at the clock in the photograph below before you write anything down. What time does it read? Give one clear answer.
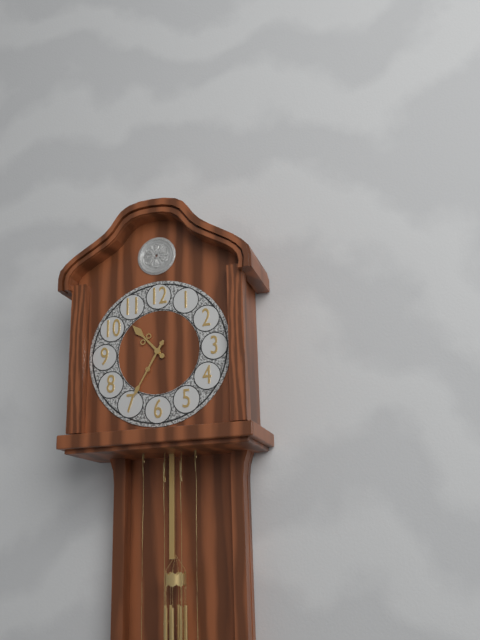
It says 10:35
